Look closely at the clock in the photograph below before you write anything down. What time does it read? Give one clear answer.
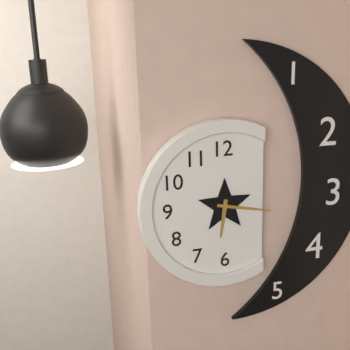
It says 6:17
